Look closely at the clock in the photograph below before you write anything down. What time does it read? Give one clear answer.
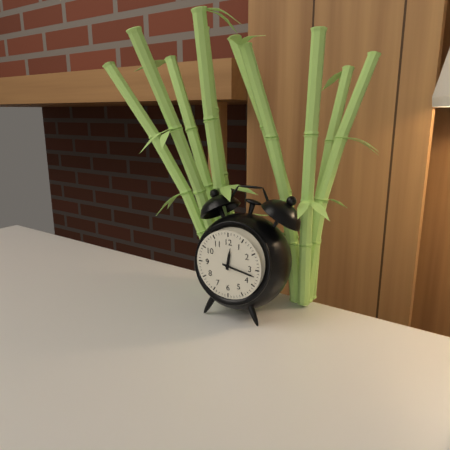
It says 12:17
